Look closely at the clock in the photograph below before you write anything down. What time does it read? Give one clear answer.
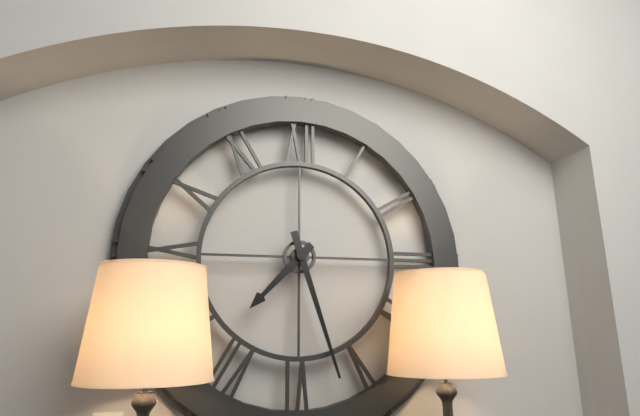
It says 7:27
